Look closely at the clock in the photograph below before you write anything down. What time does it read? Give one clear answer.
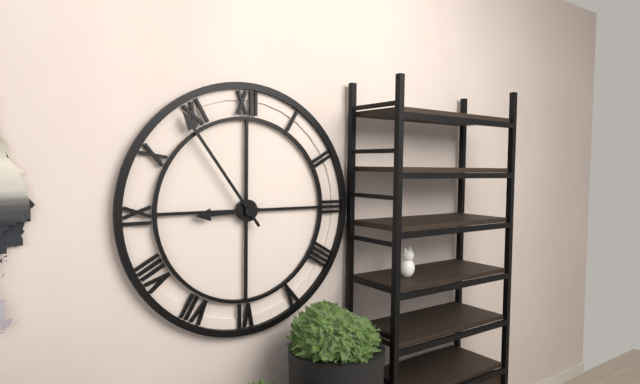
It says 8:54
